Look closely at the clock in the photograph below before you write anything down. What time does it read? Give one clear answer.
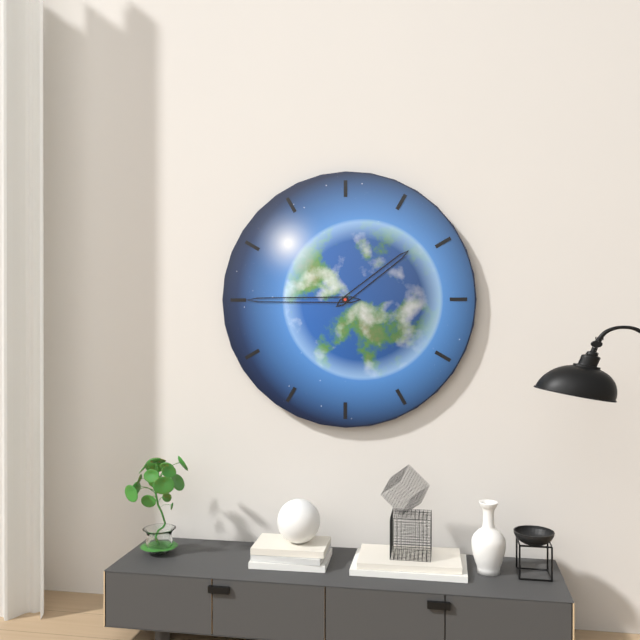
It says 1:45
